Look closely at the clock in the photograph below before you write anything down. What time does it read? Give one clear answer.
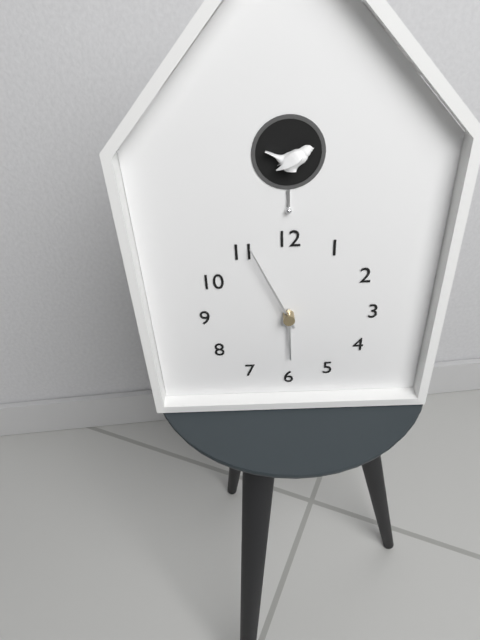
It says 5:56
